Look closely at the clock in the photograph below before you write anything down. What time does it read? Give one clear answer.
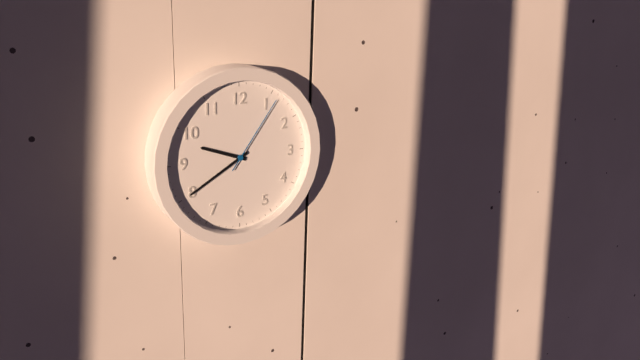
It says 9:40:06
